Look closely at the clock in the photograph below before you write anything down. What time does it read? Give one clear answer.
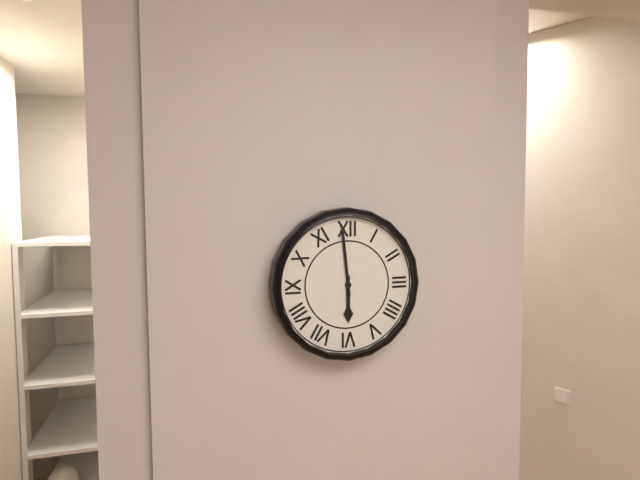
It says 5:59
